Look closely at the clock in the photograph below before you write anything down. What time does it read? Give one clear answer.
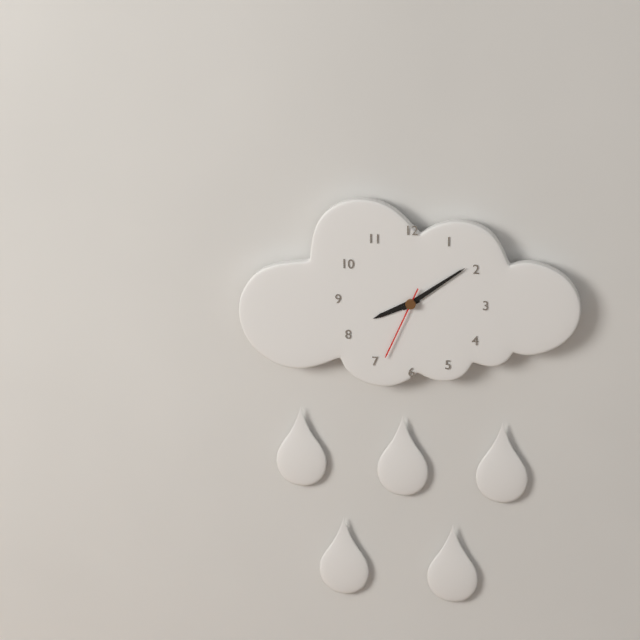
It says 8:09:34
